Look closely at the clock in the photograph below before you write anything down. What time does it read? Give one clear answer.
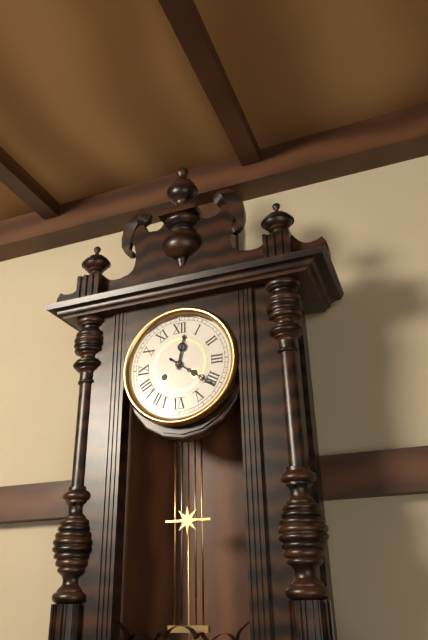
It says 12:21
